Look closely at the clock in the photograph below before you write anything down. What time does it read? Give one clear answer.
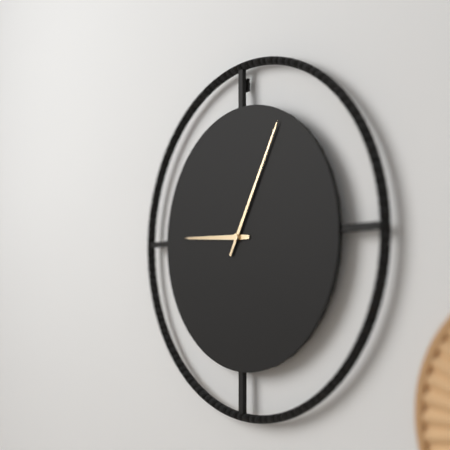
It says 9:05
